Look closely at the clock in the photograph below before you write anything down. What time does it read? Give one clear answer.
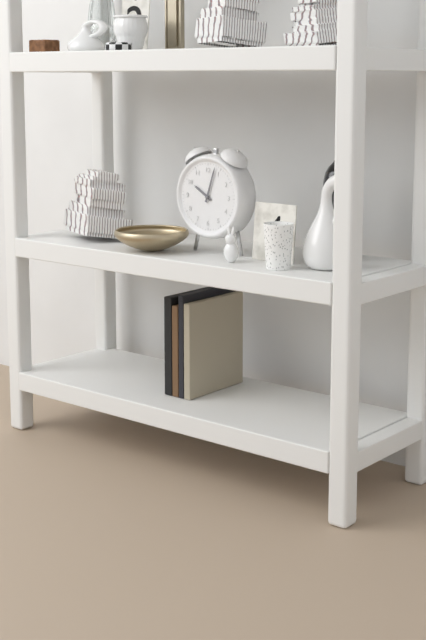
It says 10:03
